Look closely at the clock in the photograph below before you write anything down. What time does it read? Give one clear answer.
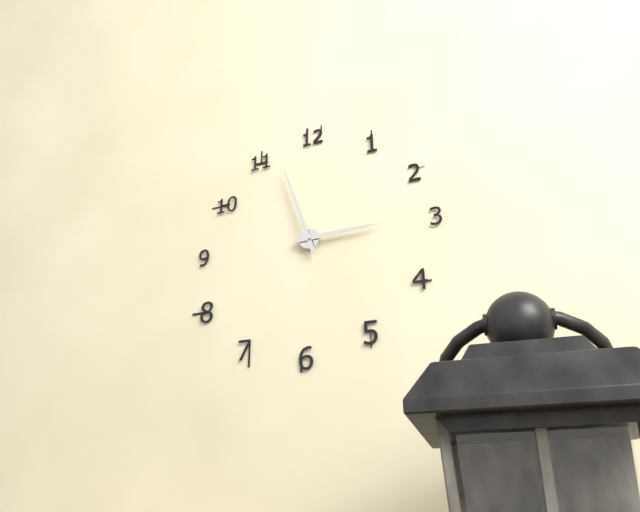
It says 2:57
